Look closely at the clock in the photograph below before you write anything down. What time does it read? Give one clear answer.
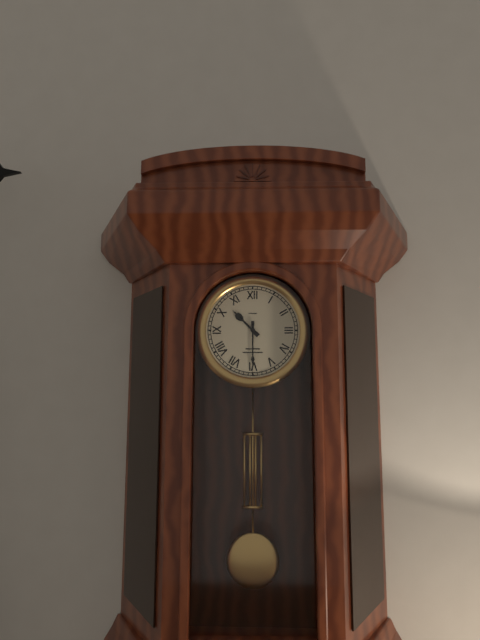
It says 10:30
